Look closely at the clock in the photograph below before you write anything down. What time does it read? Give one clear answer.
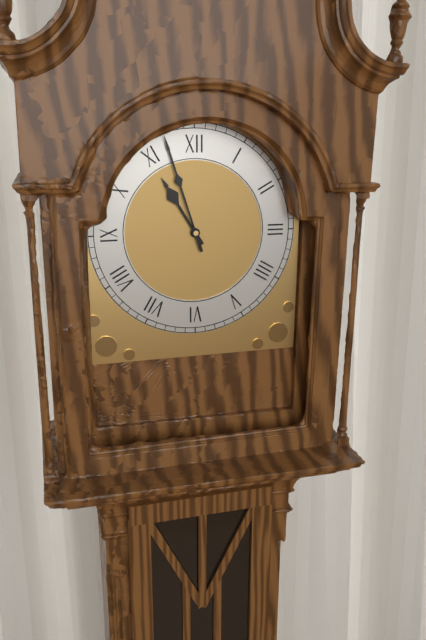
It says 10:57
